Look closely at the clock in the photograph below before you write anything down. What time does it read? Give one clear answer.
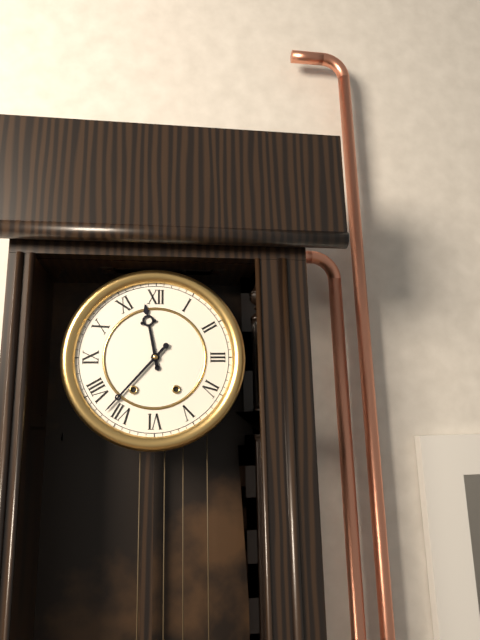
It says 11:37
